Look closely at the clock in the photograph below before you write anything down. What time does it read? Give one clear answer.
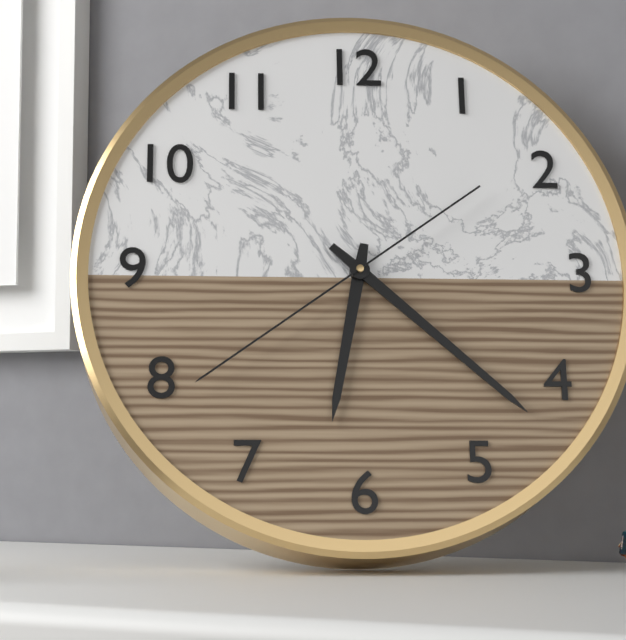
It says 6:22:39
